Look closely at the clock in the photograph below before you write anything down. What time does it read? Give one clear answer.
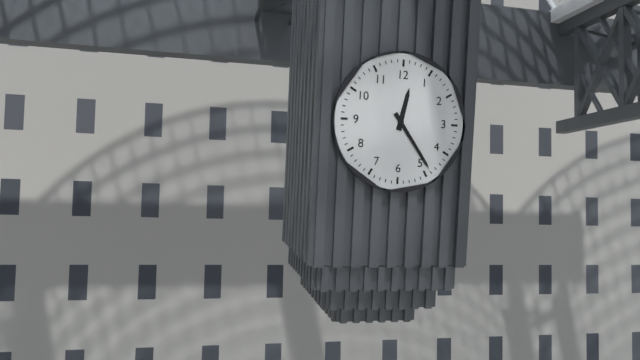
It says 12:24
